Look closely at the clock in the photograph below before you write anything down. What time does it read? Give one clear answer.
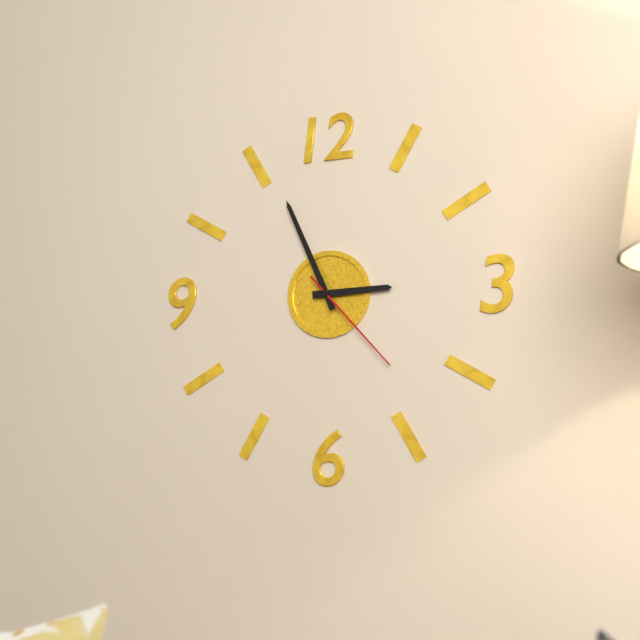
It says 2:56:23
